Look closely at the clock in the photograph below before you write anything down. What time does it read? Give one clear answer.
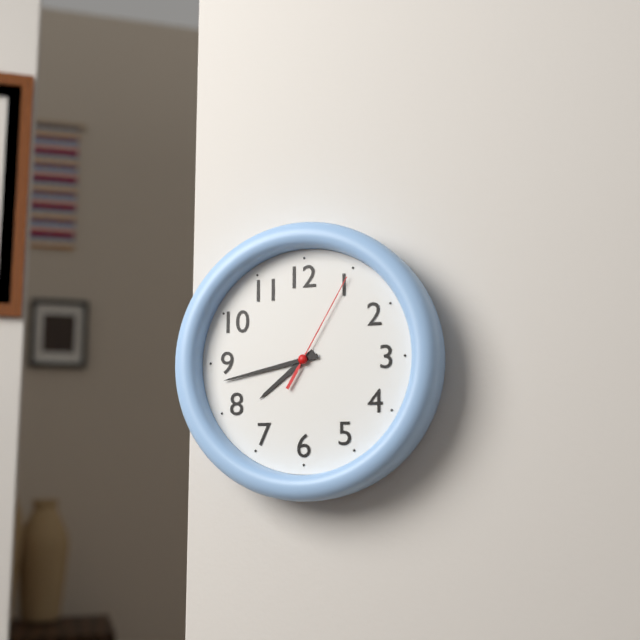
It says 7:43:05
